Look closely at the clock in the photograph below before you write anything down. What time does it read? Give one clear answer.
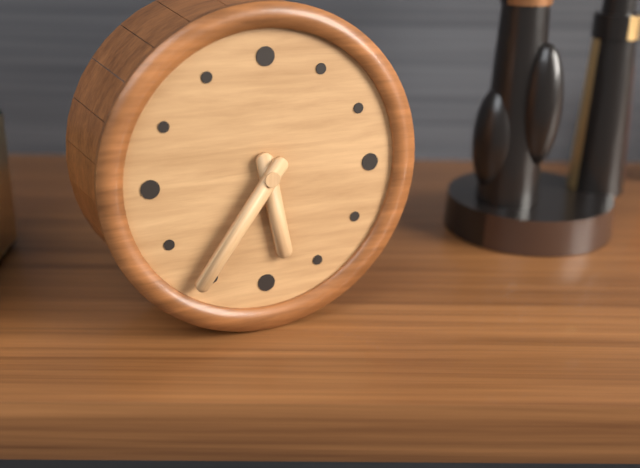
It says 5:36
